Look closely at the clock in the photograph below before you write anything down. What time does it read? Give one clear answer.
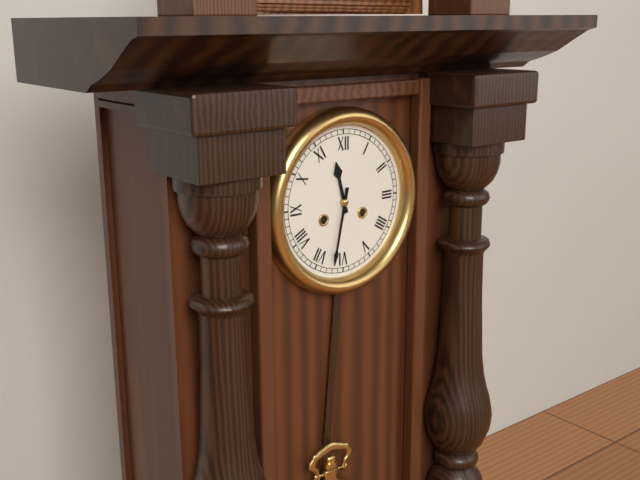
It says 11:32
